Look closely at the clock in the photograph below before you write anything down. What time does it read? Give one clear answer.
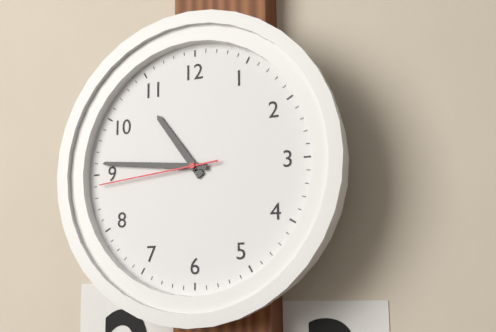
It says 10:46:44
